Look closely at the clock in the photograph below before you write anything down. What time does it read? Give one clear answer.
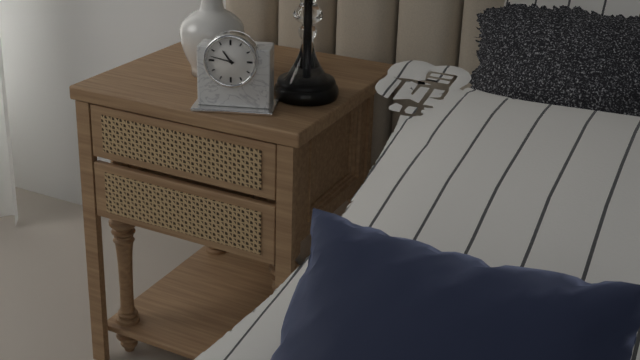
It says 10:47
